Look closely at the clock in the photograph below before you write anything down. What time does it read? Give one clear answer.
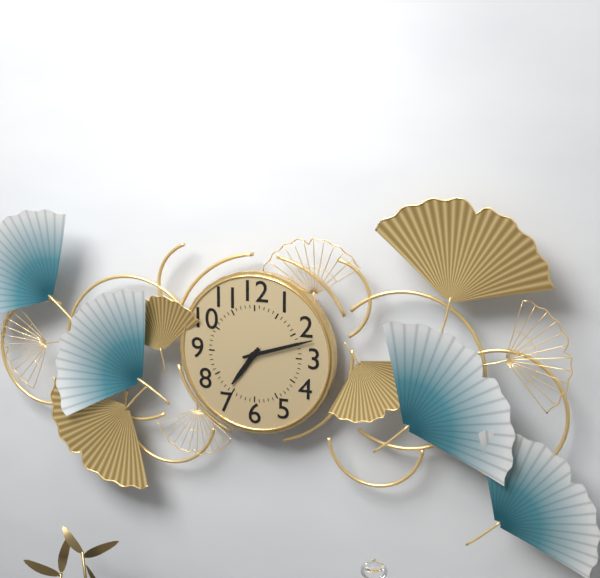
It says 7:12
